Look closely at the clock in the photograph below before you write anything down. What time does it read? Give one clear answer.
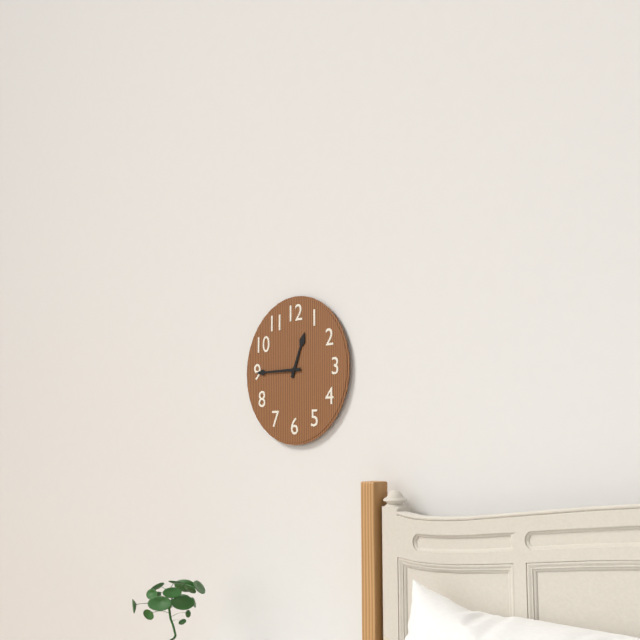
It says 12:45
